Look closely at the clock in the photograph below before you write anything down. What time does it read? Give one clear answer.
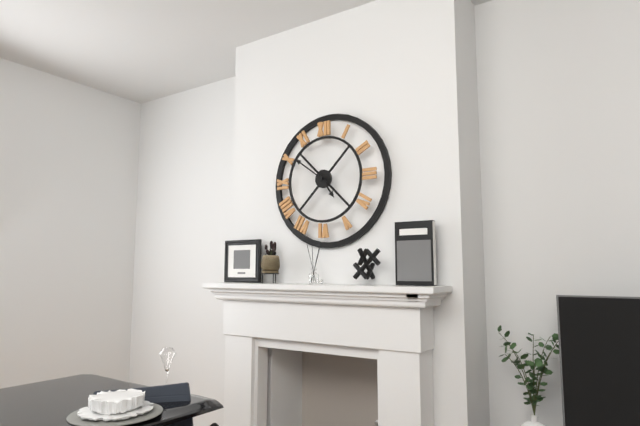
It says 4:51
